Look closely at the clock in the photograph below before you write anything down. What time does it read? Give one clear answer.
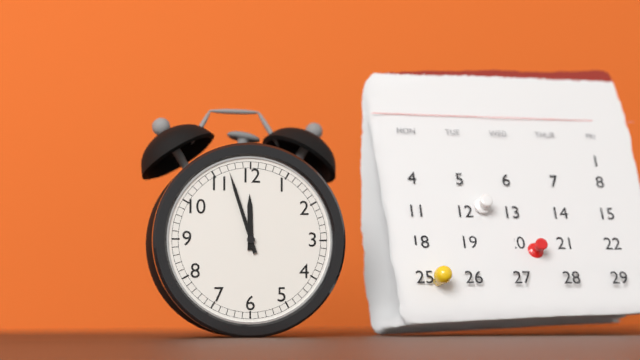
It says 11:57
